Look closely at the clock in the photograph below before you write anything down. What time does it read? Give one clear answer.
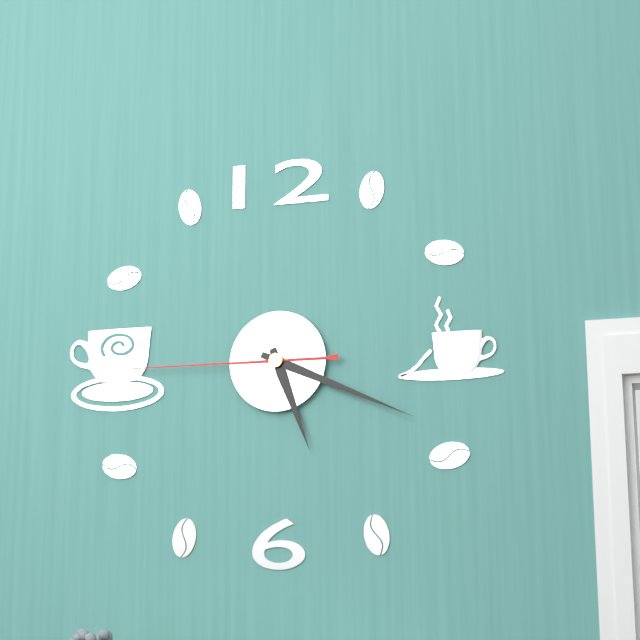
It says 5:19:45
